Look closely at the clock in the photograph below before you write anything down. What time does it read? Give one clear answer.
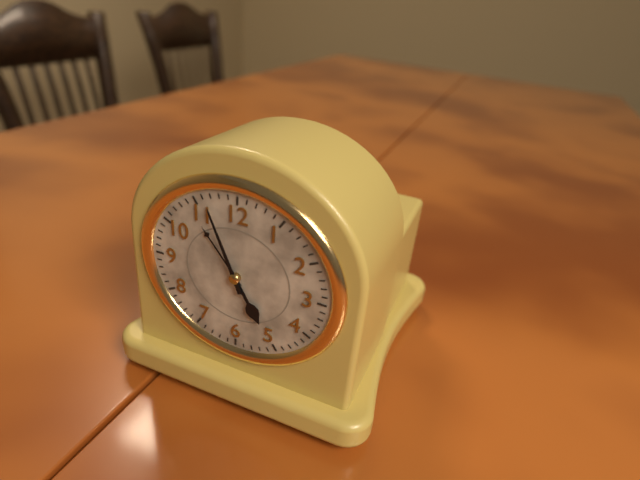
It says 4:56
